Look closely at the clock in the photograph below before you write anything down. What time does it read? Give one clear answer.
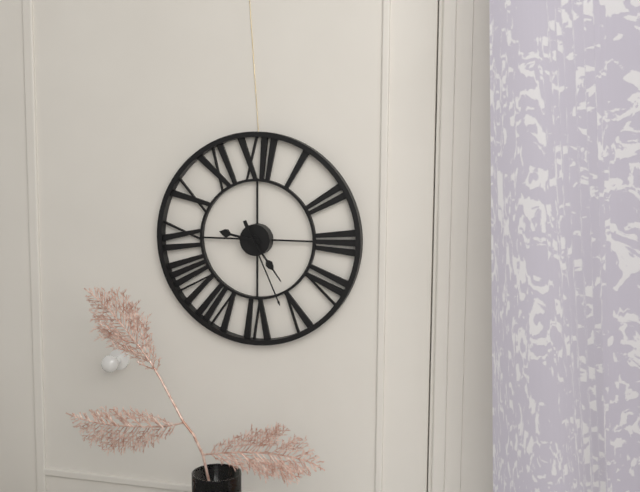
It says 9:24:26
